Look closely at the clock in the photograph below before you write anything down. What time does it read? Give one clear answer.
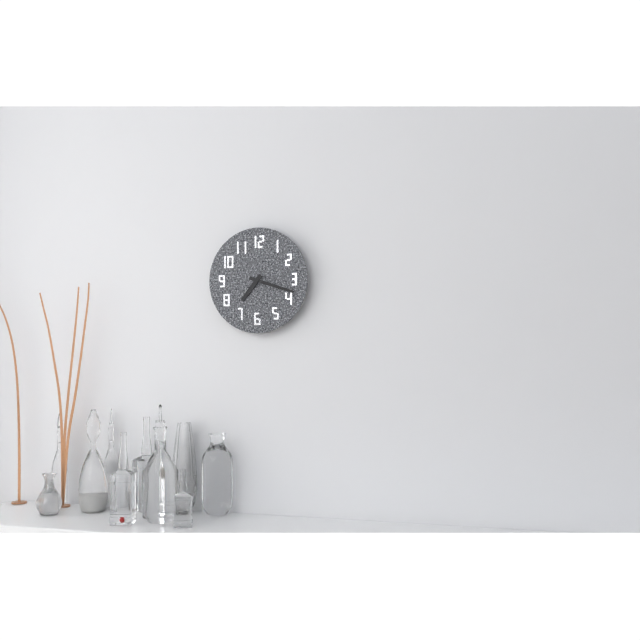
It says 7:18
